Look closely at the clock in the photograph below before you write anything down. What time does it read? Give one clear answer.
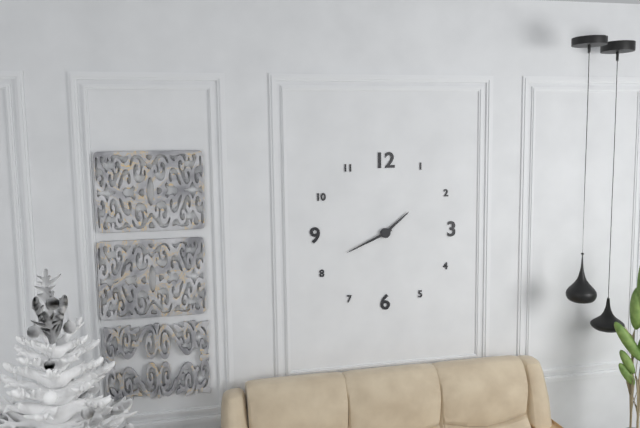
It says 1:41
